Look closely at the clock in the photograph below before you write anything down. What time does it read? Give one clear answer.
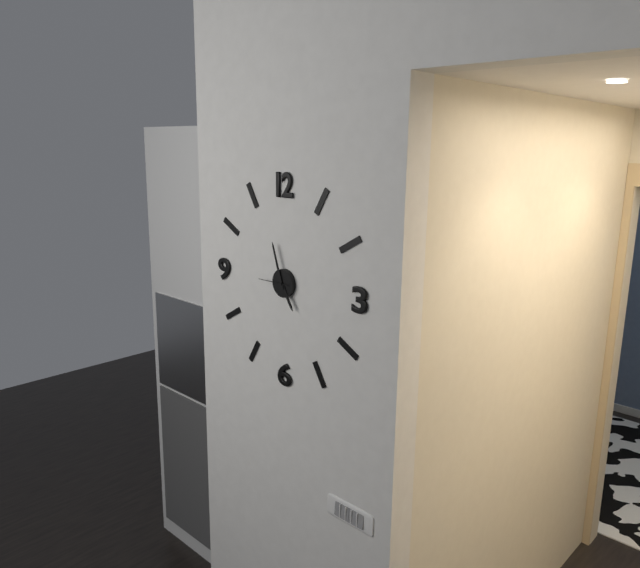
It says 4:57
